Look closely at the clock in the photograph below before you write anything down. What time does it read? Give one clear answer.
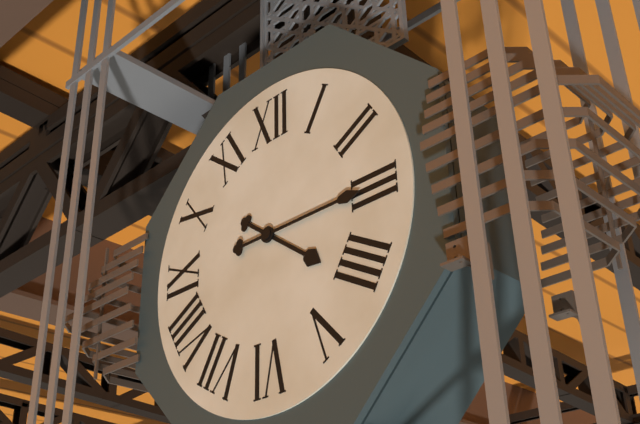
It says 4:15
